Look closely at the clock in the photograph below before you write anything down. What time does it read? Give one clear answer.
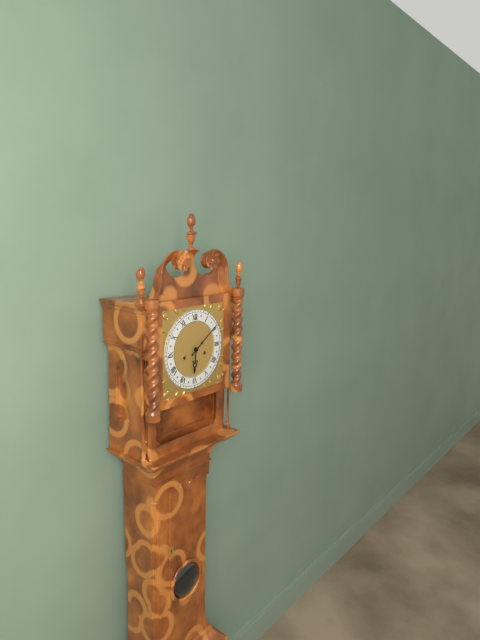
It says 6:09
